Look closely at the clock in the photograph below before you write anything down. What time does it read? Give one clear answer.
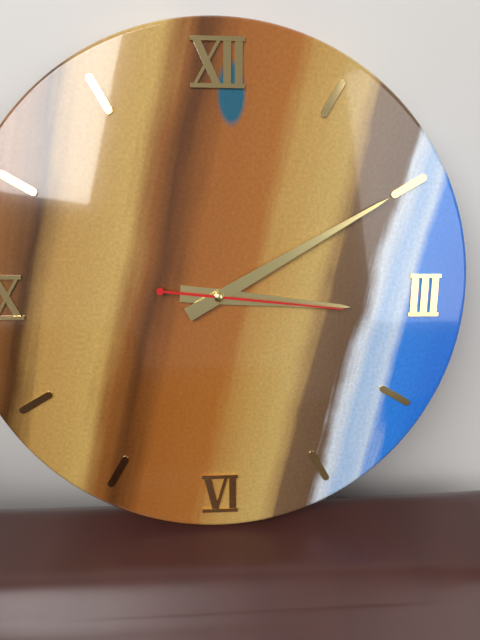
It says 3:10:16
